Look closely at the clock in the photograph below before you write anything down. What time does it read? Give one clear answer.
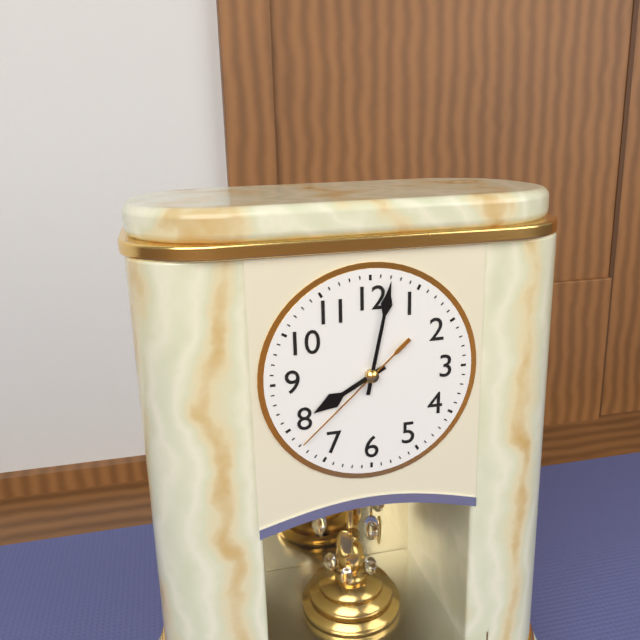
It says 8:02:38
